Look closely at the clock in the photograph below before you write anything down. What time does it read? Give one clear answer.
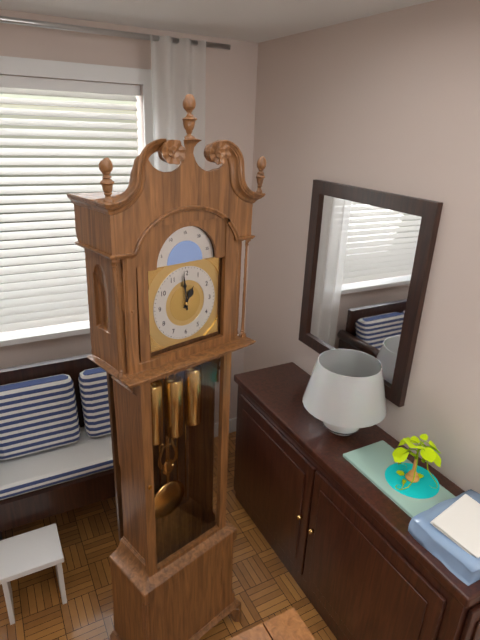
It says 12:59
